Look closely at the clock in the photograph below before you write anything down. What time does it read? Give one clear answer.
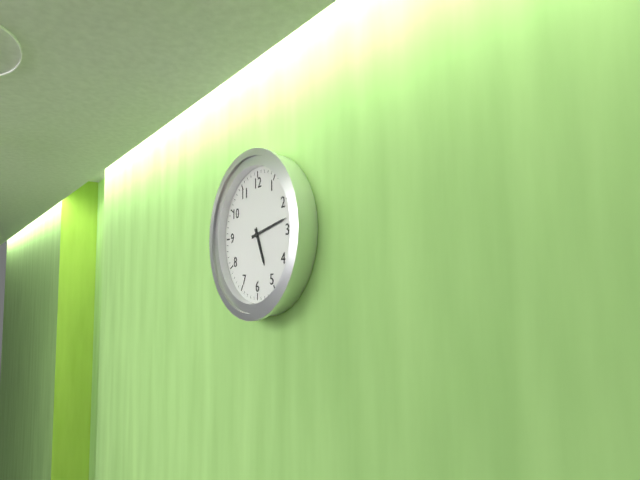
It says 5:13
